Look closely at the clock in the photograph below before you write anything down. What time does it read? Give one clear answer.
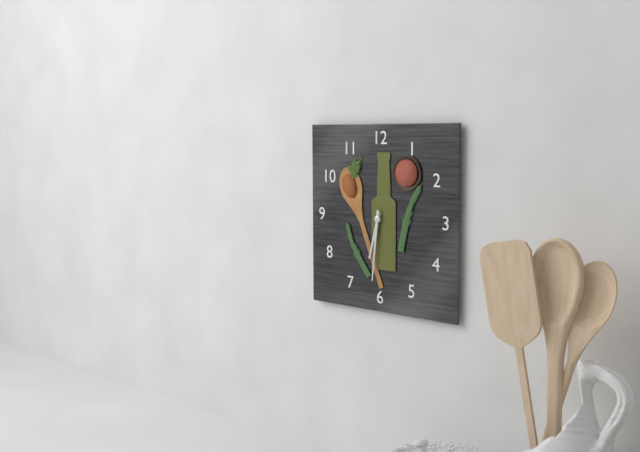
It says 6:31
